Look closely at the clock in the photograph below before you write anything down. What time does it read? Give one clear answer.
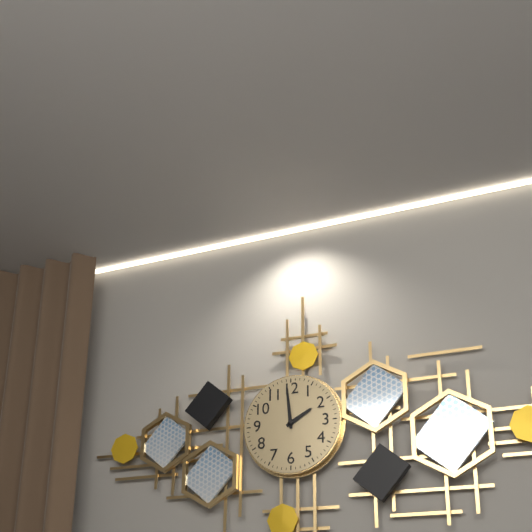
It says 1:59
